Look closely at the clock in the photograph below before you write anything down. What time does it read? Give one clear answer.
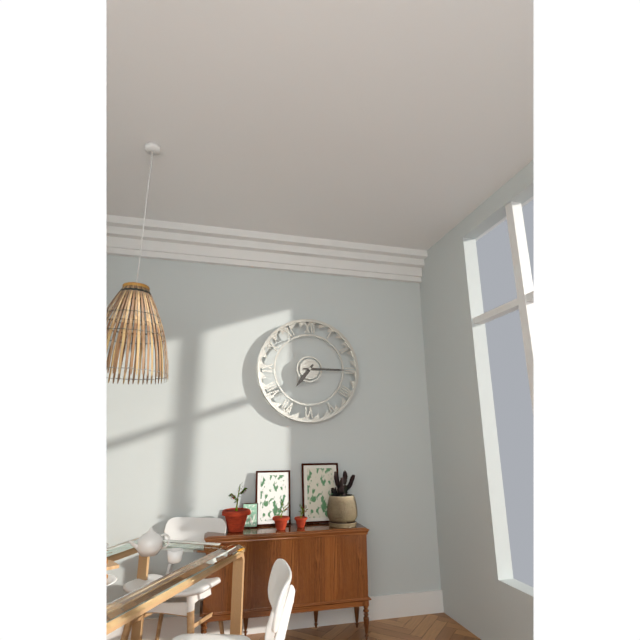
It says 7:15
